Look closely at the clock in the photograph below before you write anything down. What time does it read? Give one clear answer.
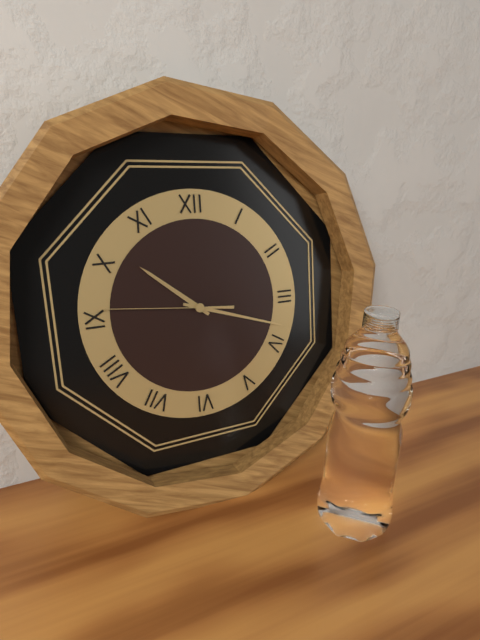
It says 10:18:46
